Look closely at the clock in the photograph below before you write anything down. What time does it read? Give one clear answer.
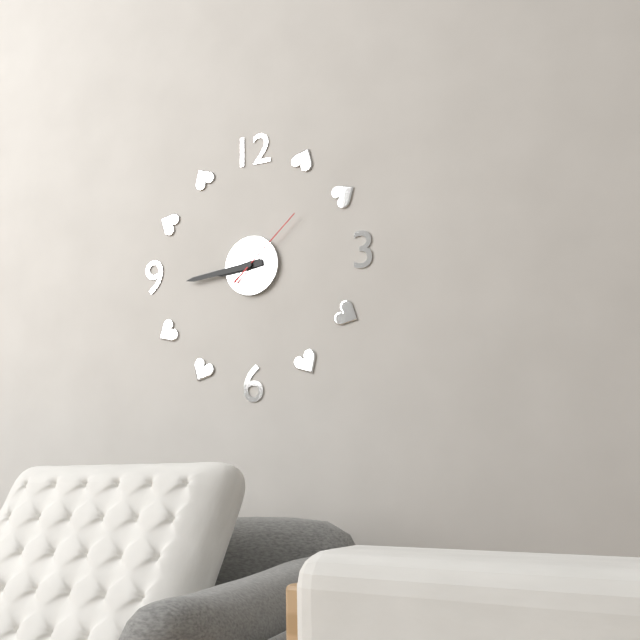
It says 8:44:08
